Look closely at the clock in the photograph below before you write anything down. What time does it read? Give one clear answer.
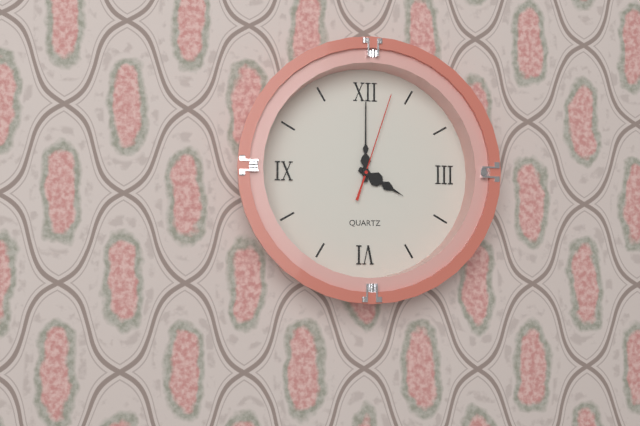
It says 4:00:03
